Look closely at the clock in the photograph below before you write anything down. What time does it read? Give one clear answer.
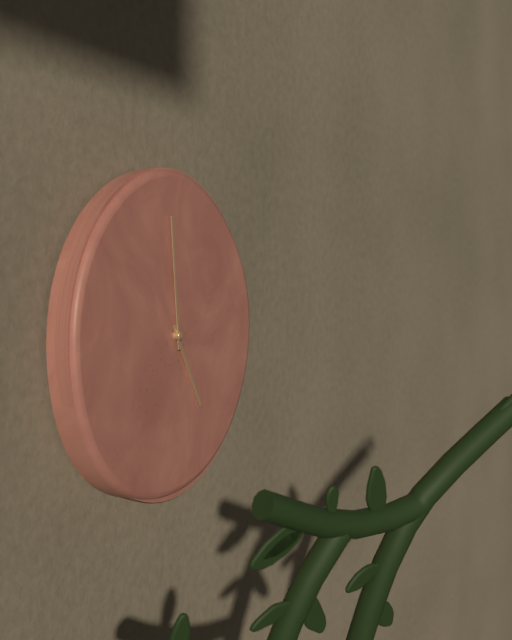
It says 4:59
